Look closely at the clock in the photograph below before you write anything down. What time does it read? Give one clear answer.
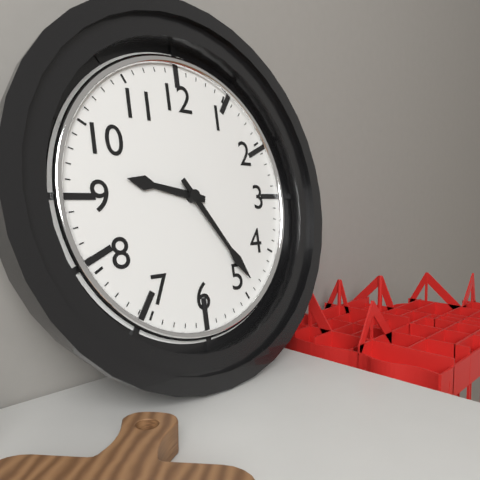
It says 9:24
